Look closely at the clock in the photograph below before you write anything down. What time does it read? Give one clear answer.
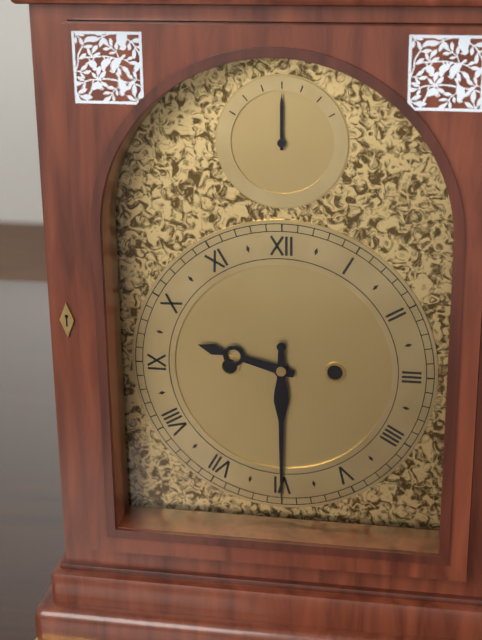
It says 9:30
